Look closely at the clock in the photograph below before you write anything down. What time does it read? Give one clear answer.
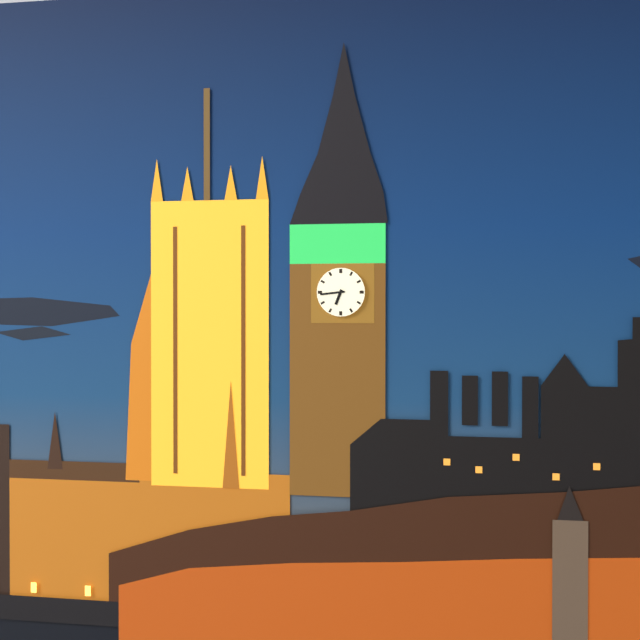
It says 6:44
